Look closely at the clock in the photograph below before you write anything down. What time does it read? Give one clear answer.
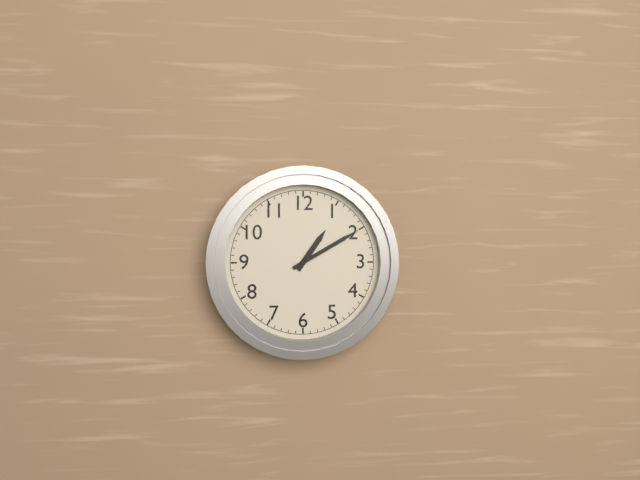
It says 1:10
